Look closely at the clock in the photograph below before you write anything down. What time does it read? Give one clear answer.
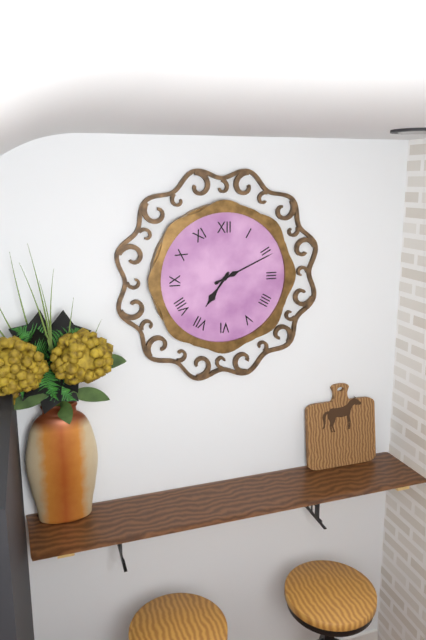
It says 7:11
